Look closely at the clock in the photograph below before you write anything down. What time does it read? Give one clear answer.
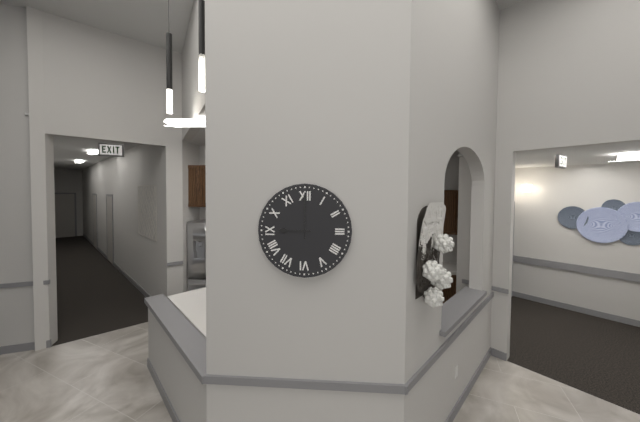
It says 9:00
